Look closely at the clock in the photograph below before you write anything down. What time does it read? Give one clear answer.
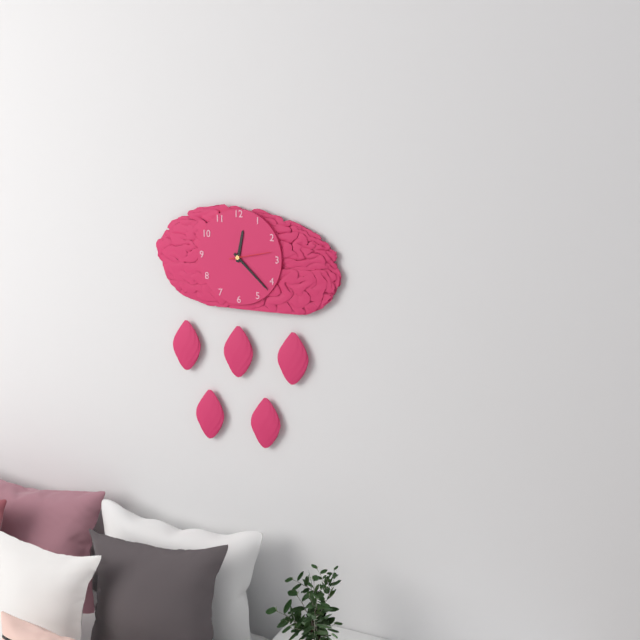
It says 12:22
